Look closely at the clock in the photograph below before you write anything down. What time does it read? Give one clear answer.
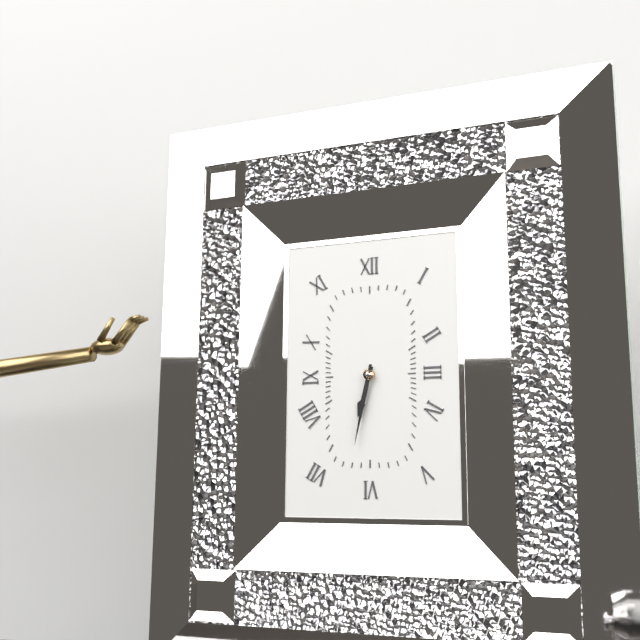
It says 6:32
